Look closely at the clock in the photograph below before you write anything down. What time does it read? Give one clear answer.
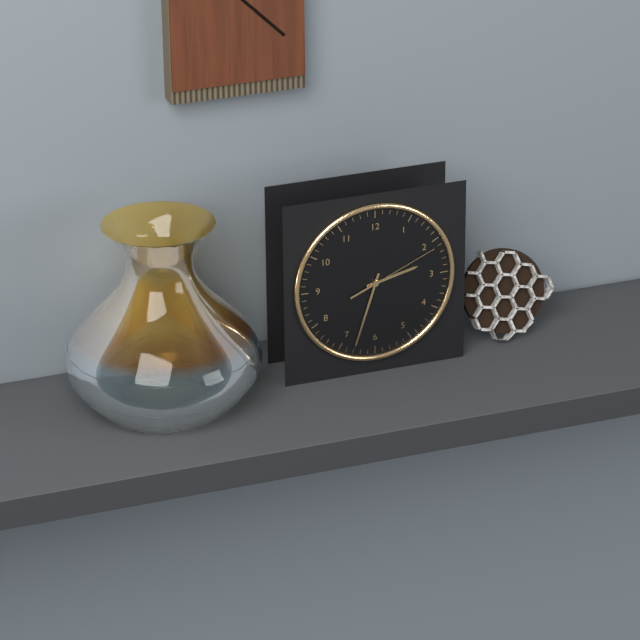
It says 2:33:11
